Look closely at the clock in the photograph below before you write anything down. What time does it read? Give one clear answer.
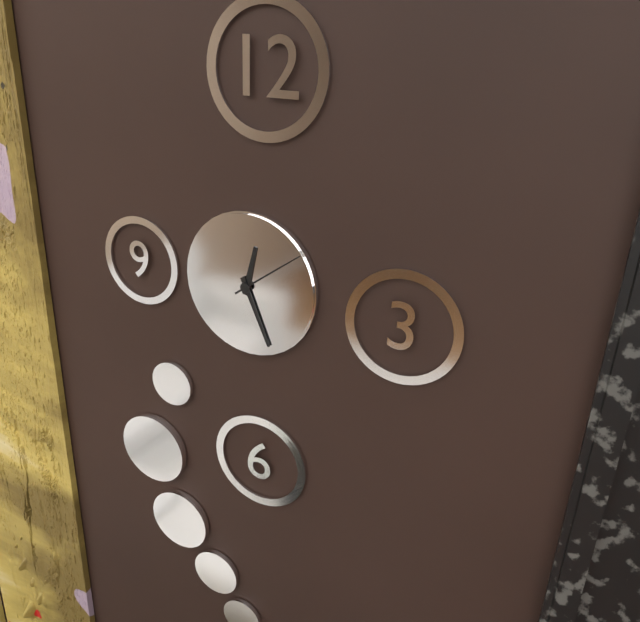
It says 12:26:09
